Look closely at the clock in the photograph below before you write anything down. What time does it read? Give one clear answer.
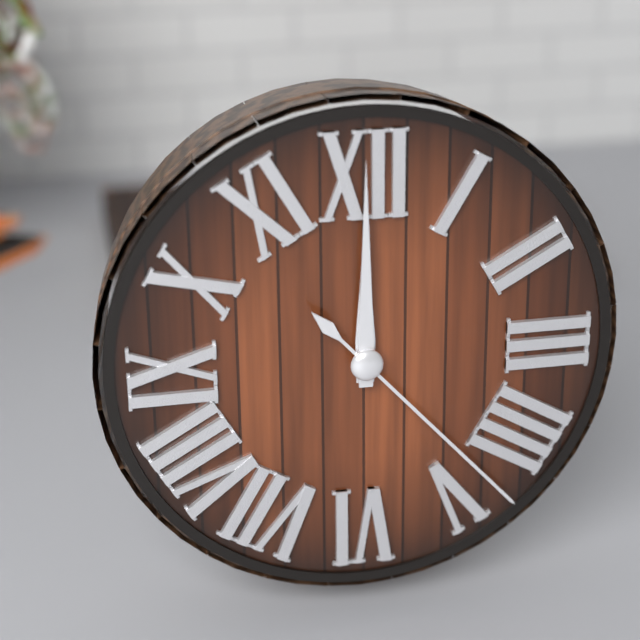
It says 12:00:23
